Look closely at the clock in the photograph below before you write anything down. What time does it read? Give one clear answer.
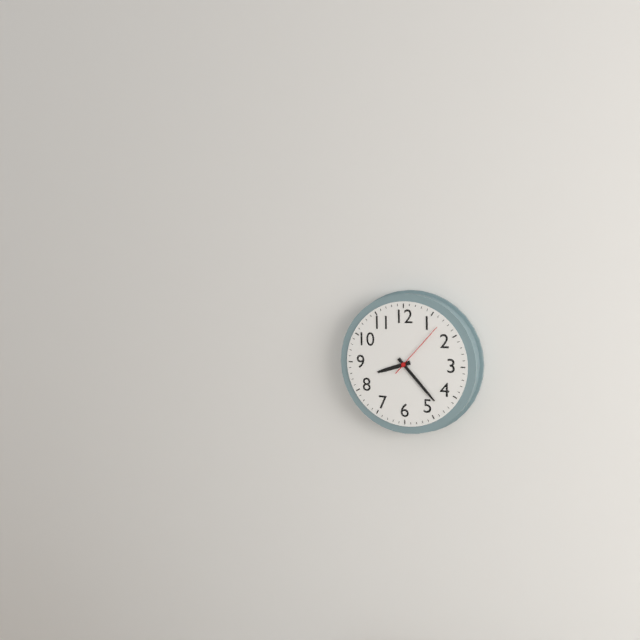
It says 8:23:07
